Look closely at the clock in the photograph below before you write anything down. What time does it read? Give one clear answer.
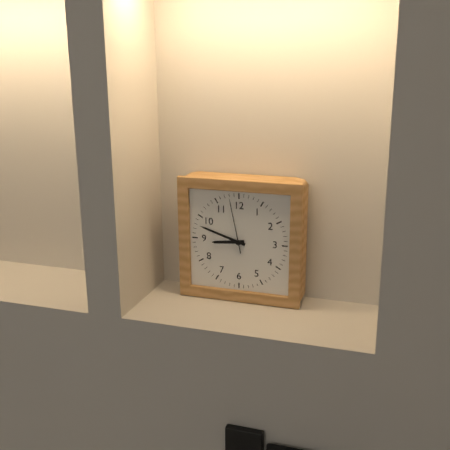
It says 8:48:58
